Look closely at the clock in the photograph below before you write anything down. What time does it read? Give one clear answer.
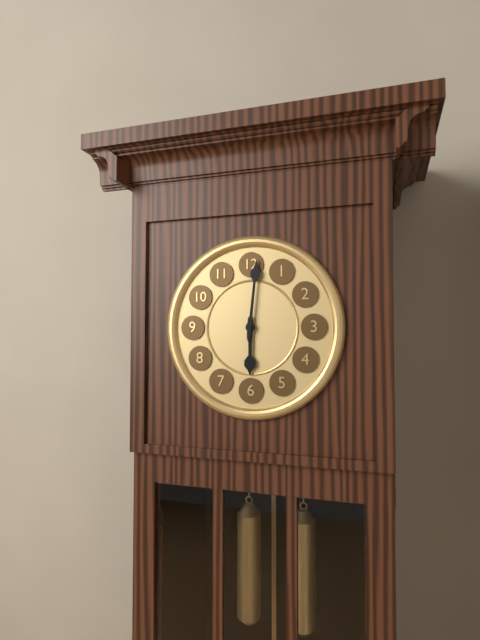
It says 6:01
